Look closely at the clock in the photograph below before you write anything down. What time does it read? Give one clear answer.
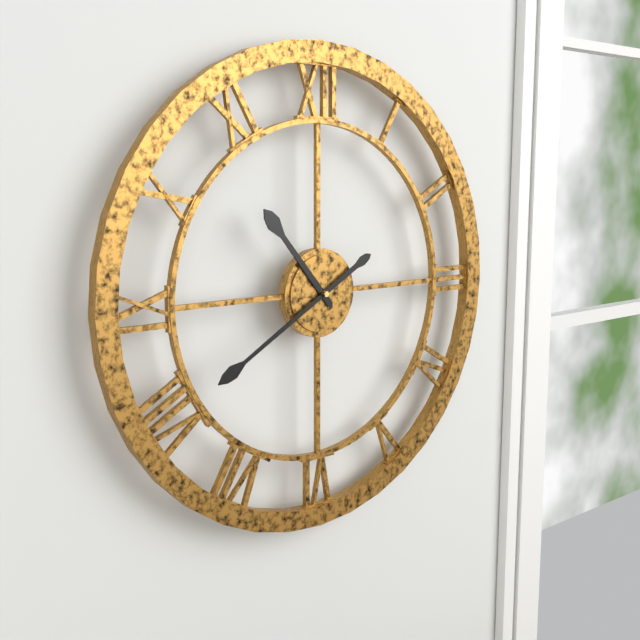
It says 10:40
